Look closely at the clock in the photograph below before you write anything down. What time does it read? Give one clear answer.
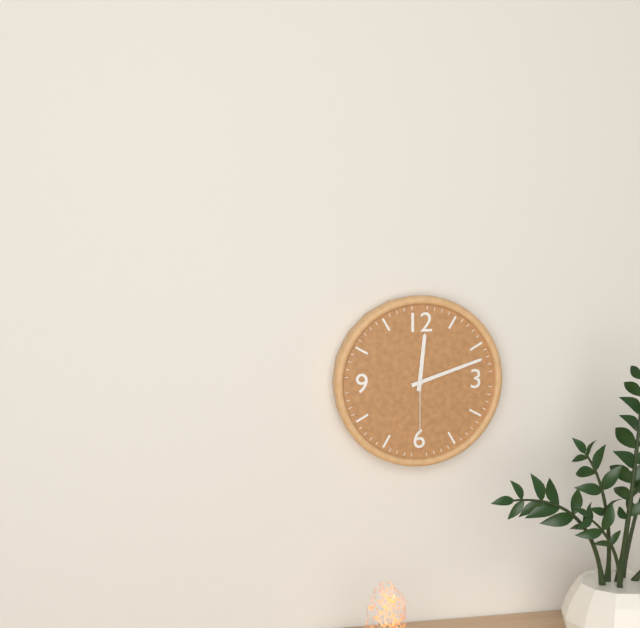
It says 12:12:30
